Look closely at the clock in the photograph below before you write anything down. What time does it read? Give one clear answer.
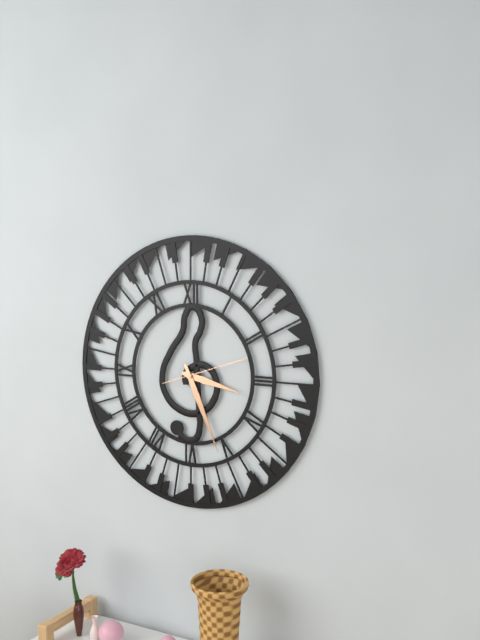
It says 3:26:12
